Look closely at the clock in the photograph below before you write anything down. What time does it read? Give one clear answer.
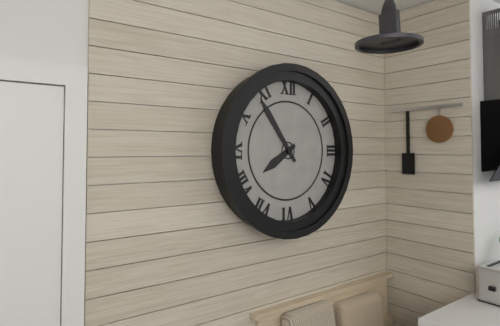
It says 7:54
